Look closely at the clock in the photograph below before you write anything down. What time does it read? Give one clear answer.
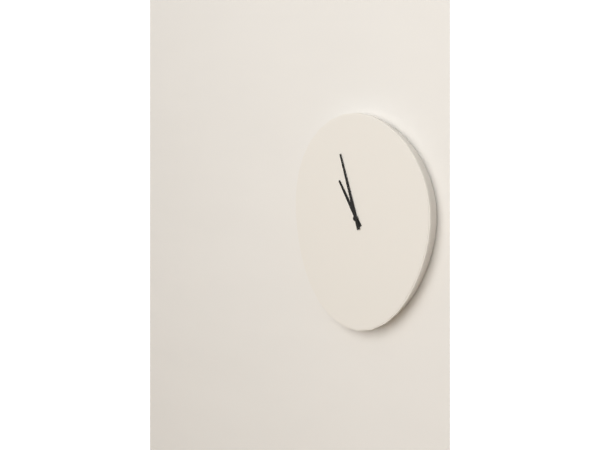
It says 10:57
